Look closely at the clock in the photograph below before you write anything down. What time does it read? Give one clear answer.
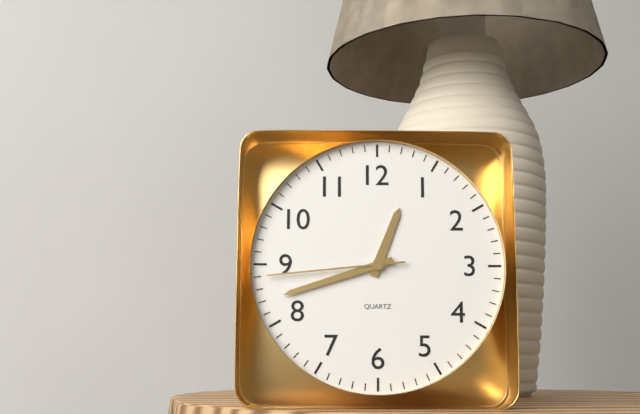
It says 12:42:44
